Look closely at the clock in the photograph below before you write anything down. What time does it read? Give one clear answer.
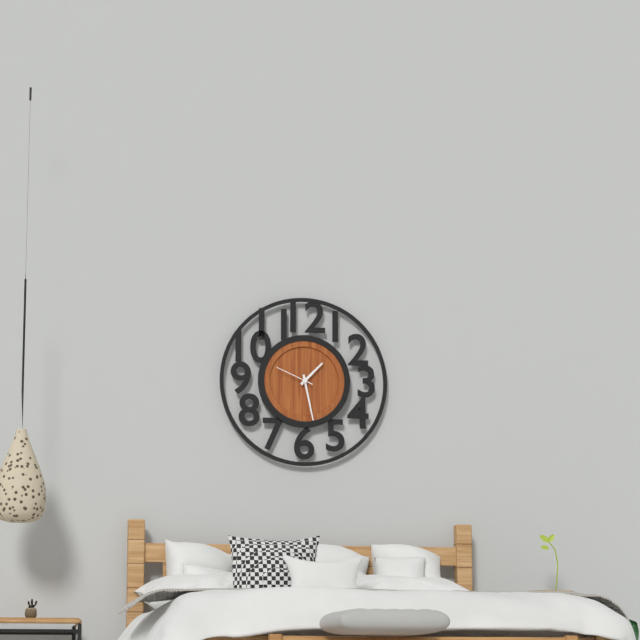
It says 1:28
